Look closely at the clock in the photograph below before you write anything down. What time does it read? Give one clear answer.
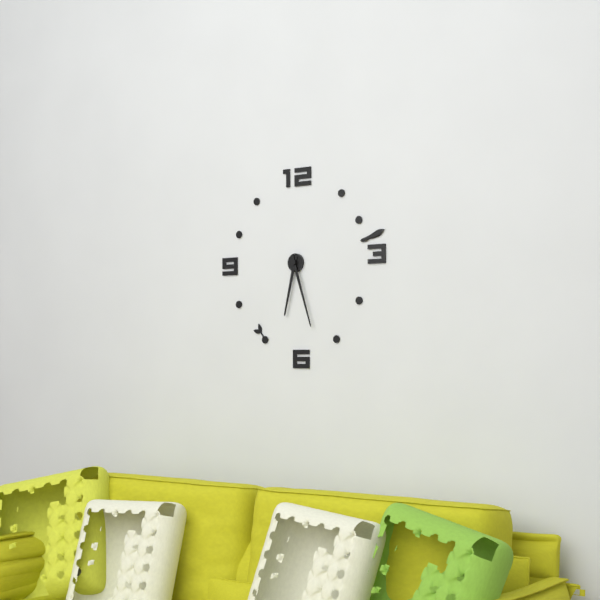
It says 6:27
